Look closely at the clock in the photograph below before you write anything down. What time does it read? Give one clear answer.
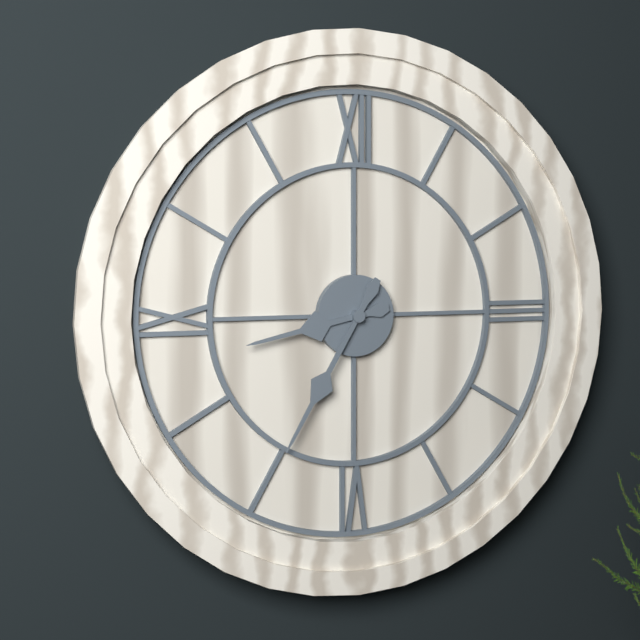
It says 8:35
